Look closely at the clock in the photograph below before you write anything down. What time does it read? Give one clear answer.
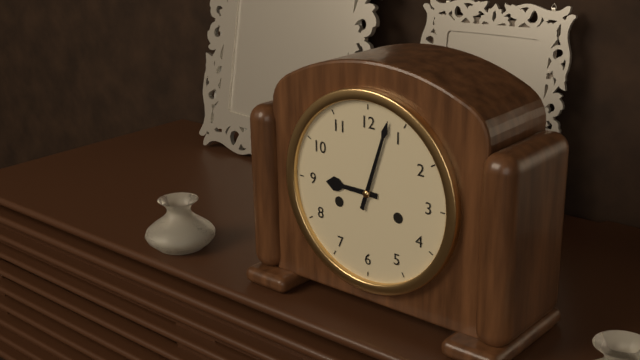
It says 9:03
